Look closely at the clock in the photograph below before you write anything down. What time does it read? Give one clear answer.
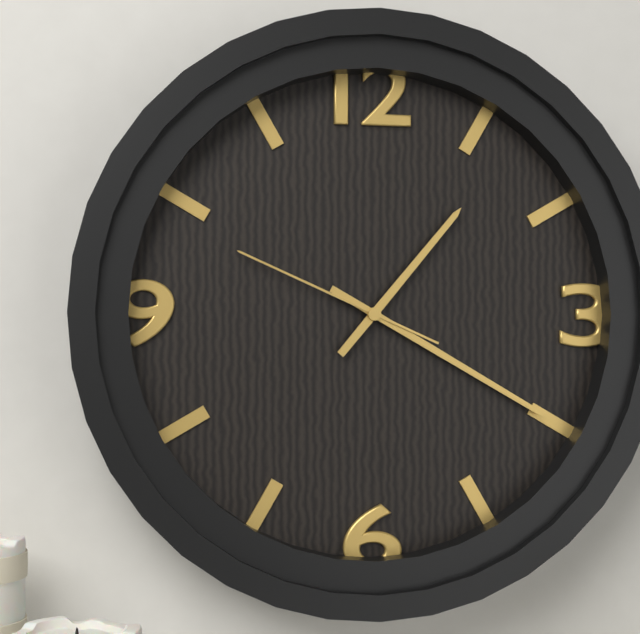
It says 1:20:49
